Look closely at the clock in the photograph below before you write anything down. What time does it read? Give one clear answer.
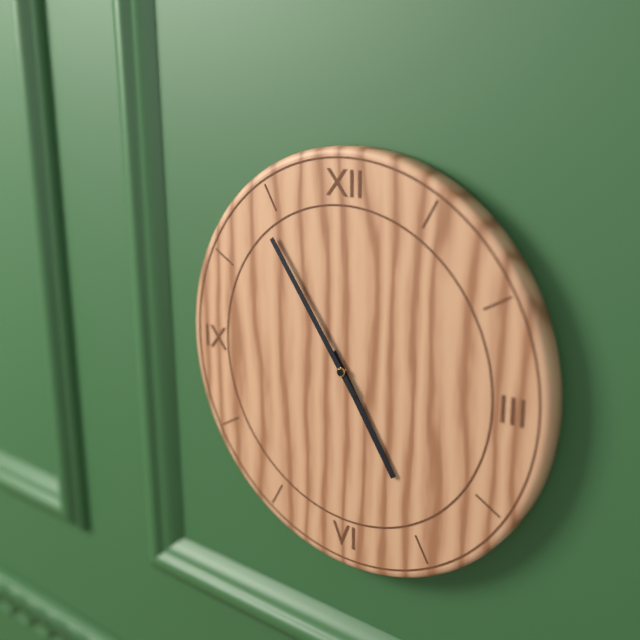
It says 4:54
